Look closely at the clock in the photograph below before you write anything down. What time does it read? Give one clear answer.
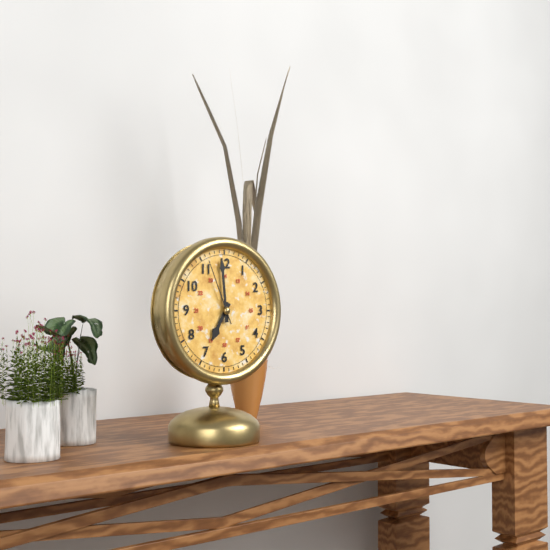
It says 6:59:56
